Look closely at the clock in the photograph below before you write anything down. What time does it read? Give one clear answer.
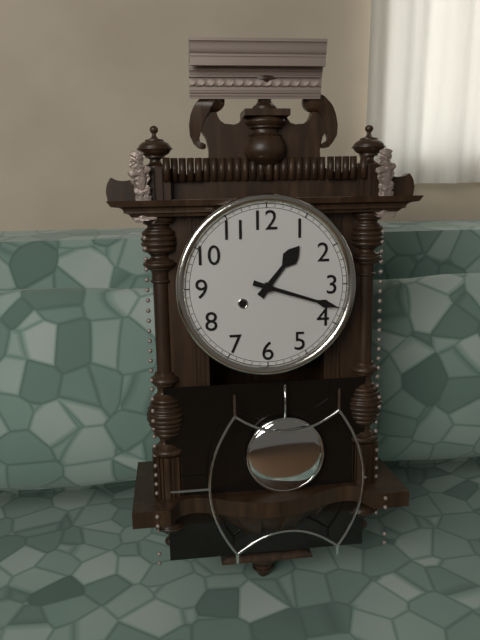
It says 1:18
